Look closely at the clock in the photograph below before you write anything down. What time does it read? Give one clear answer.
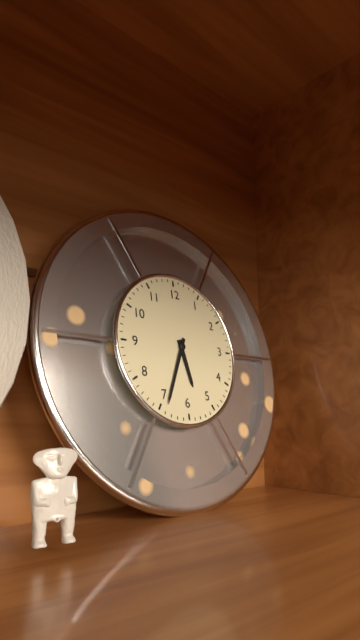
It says 5:34
